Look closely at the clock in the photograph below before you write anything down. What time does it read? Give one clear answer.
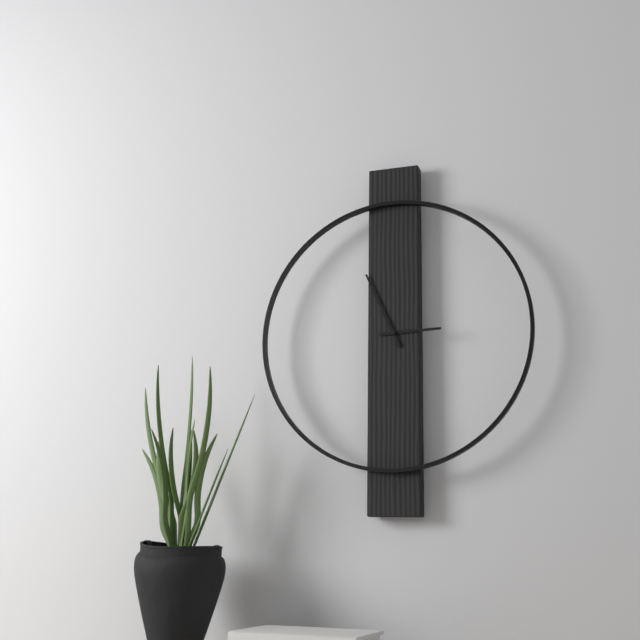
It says 2:56
